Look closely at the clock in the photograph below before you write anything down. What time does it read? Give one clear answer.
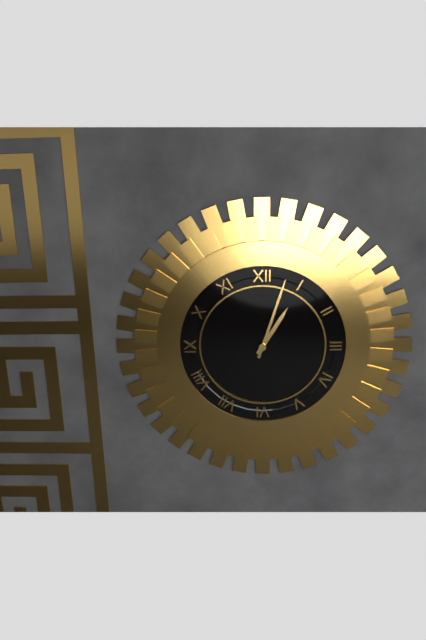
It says 1:03
